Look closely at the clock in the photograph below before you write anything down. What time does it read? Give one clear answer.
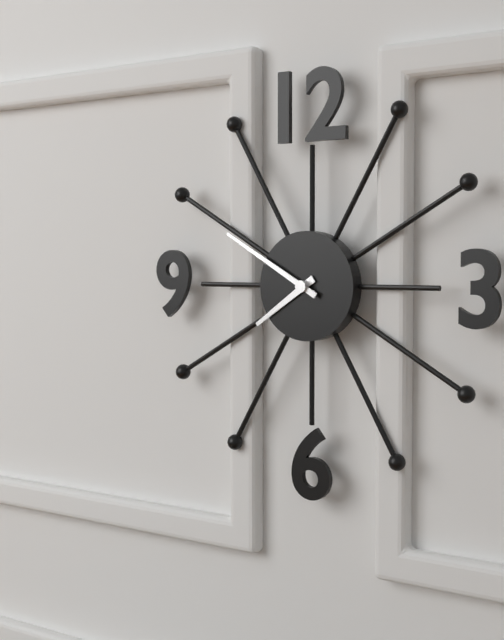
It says 7:50
